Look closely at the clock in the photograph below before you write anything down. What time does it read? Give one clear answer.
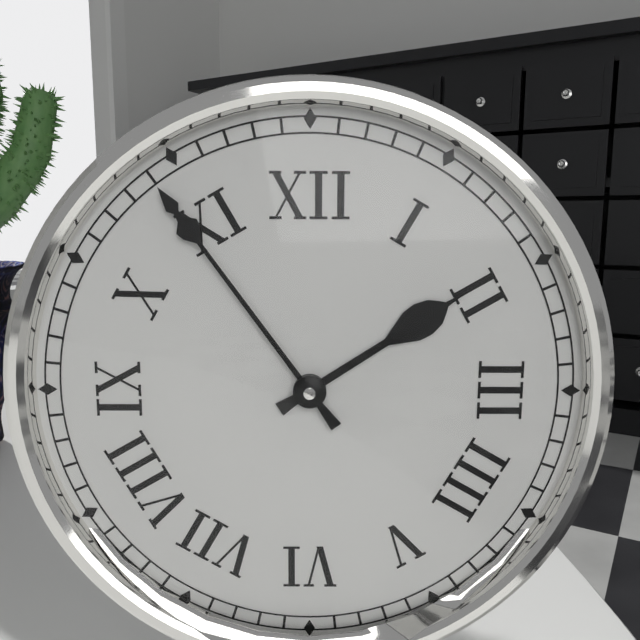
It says 1:54
